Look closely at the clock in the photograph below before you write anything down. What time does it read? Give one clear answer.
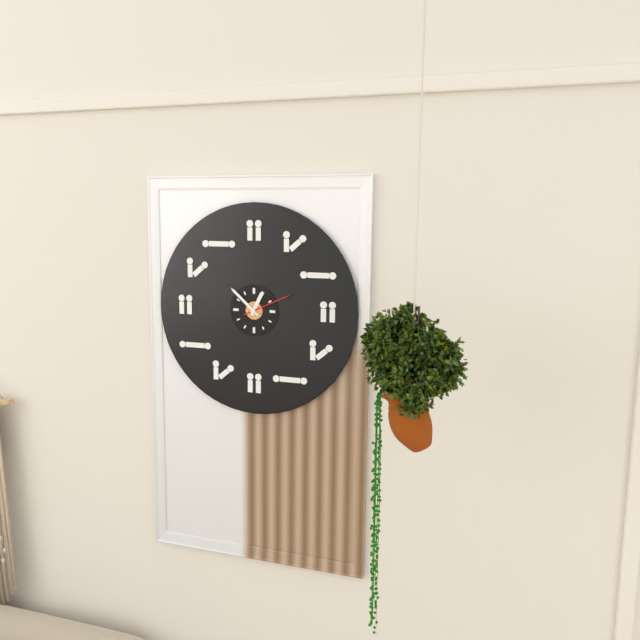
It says 12:52:11
